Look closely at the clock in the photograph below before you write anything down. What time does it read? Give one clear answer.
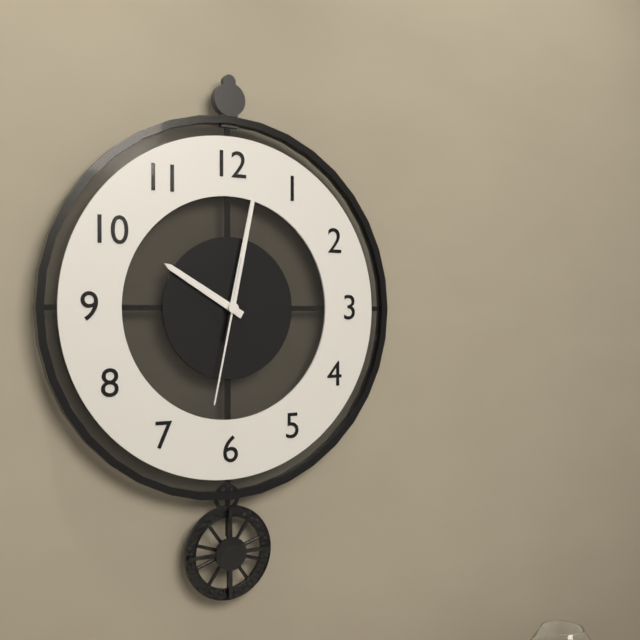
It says 10:02:32
